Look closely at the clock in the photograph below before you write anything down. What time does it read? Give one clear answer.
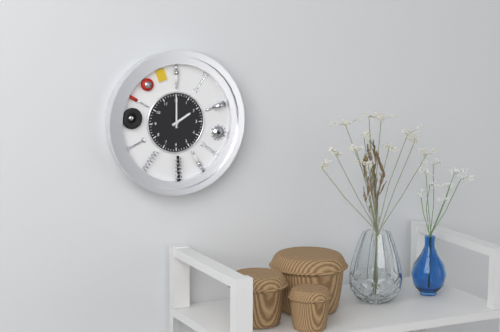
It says 2:00
